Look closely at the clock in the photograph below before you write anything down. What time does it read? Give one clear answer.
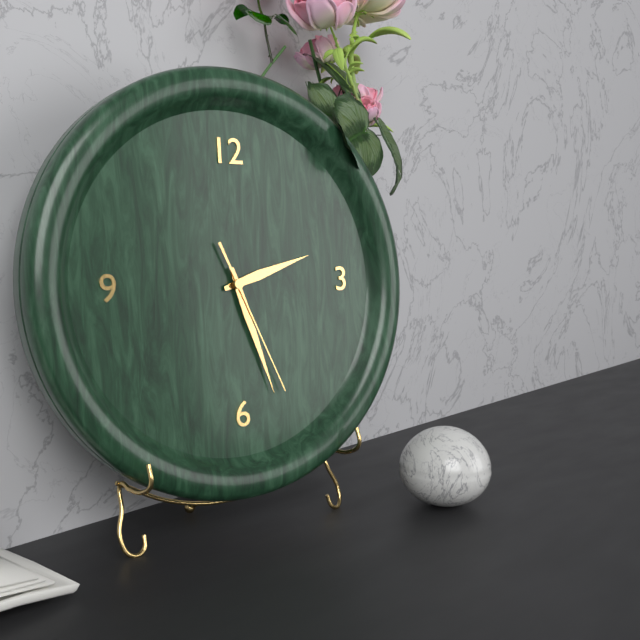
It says 2:27:26
